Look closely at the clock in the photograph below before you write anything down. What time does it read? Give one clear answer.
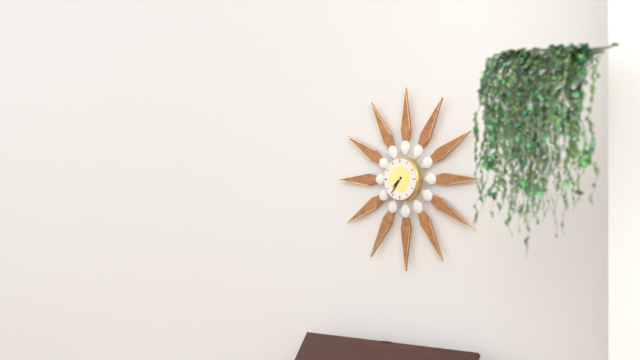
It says 7:36
